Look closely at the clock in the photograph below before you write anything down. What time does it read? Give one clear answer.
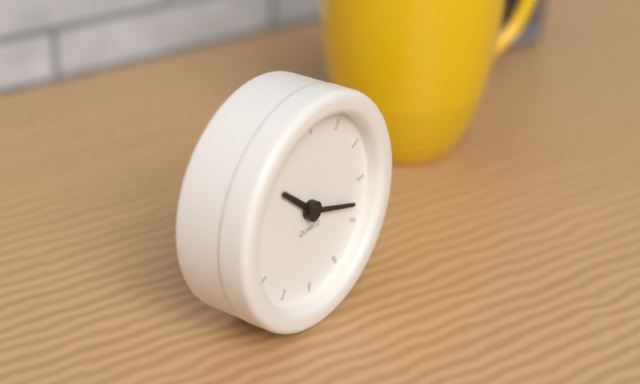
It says 10:18
